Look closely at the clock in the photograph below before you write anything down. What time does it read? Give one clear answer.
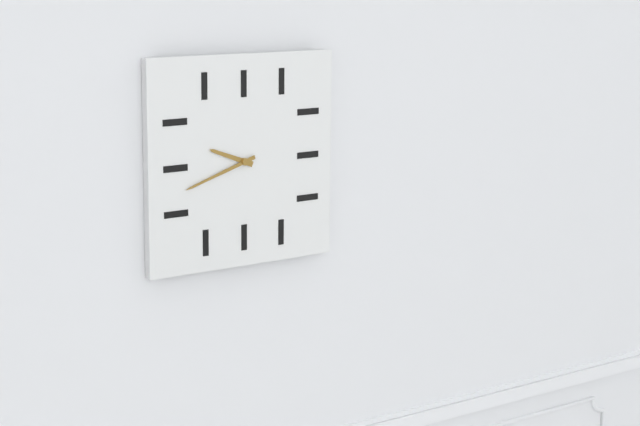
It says 9:42
